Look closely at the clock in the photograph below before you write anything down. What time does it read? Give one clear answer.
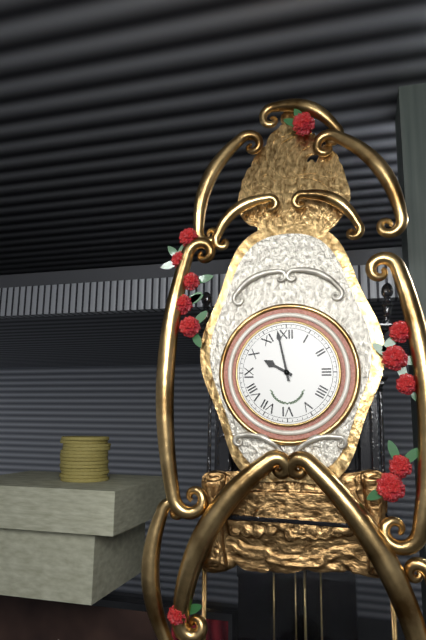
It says 9:58
